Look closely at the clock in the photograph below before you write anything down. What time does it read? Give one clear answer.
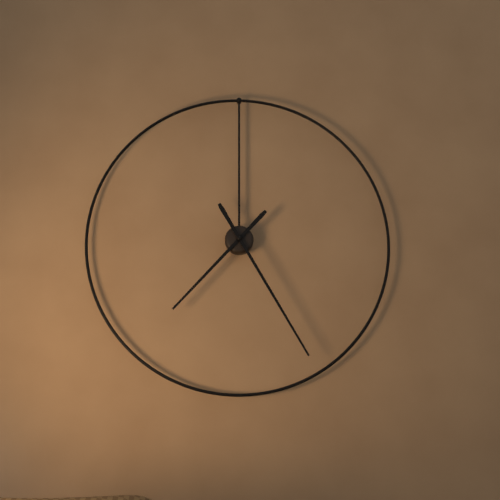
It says 7:25
